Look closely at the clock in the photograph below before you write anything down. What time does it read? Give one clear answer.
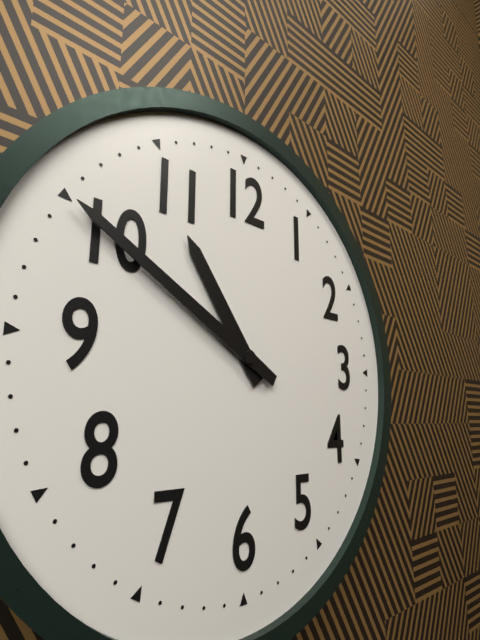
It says 10:50
